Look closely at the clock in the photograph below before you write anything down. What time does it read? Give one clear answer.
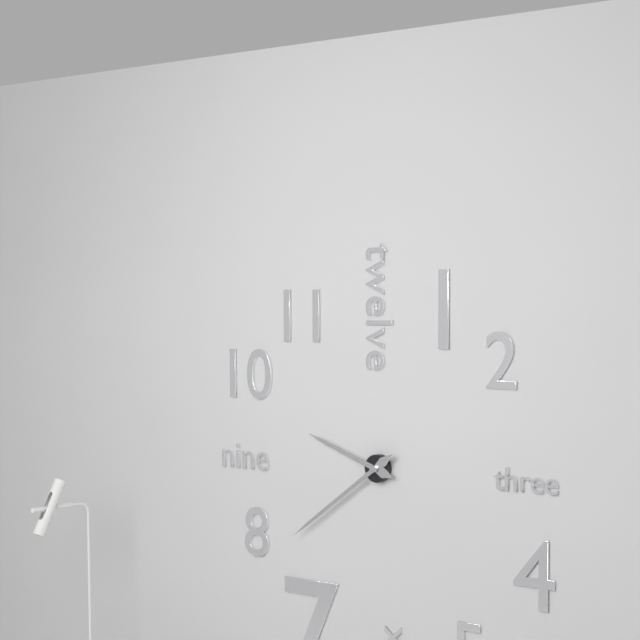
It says 9:39
